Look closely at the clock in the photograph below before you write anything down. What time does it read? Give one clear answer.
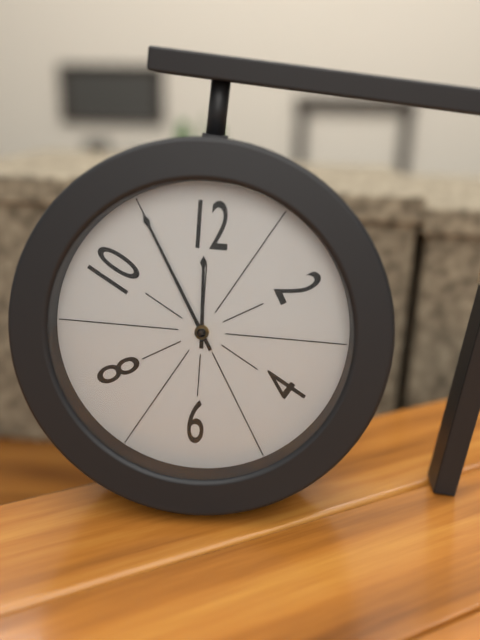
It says 11:55
